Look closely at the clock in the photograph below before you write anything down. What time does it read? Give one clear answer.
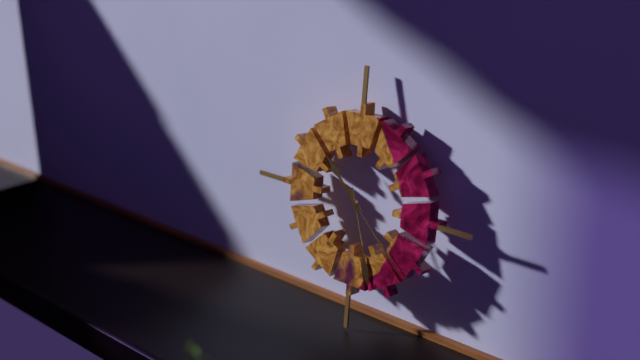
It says 10:27:22
